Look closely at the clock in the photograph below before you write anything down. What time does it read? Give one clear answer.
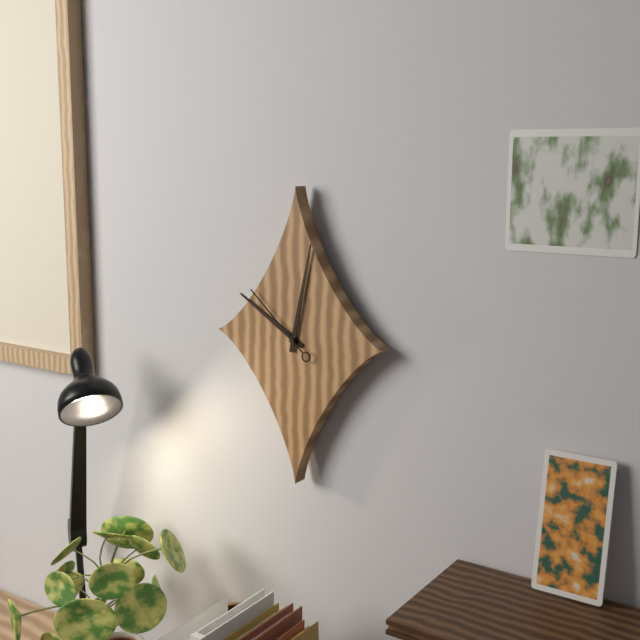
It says 10:02:52
